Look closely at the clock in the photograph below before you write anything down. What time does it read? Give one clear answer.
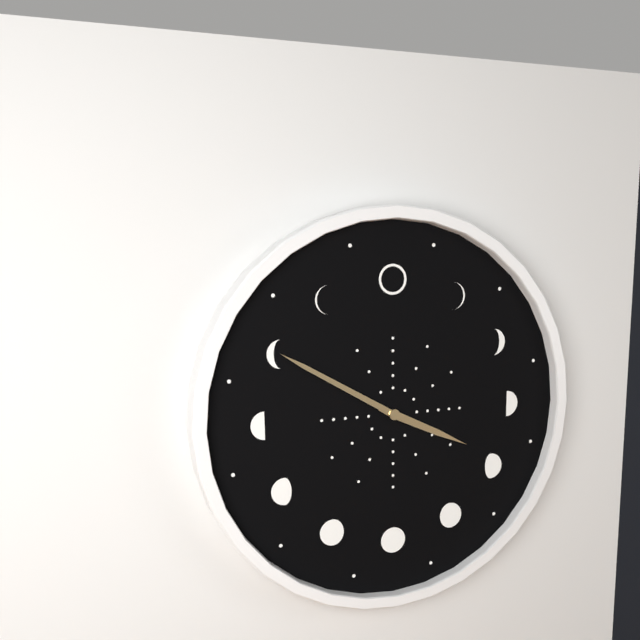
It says 3:50
